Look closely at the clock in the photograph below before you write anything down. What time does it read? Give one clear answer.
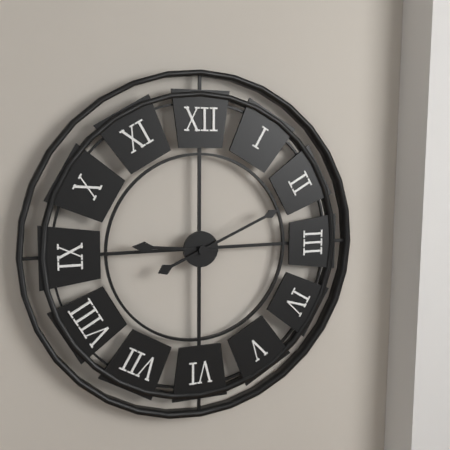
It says 9:11
